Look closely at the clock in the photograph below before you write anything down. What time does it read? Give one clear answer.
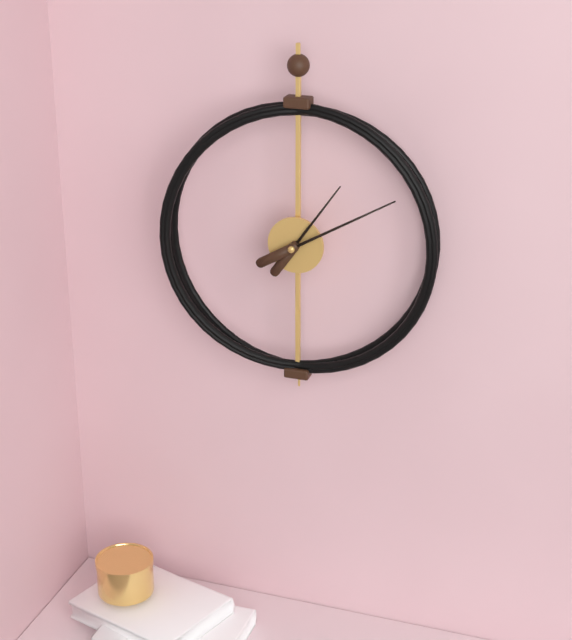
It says 1:10
